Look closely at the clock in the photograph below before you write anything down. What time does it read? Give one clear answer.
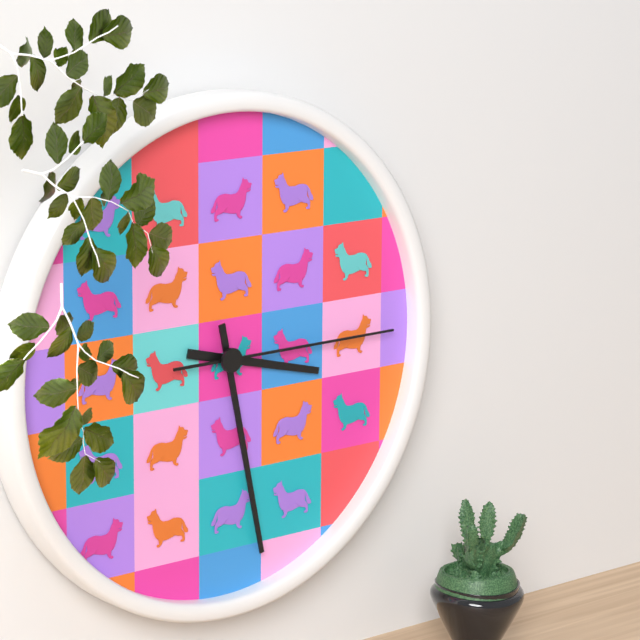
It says 3:28:15
